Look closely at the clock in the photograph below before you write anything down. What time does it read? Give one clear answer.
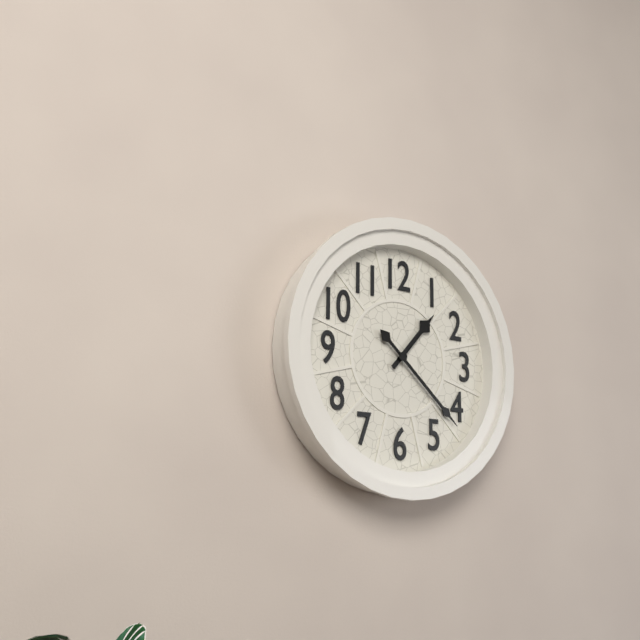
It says 1:22
